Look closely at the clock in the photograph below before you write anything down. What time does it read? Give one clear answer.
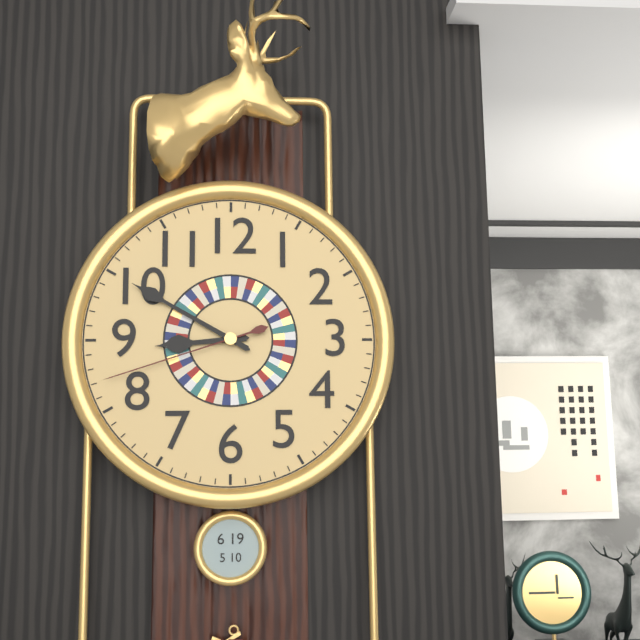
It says 8:50:42
